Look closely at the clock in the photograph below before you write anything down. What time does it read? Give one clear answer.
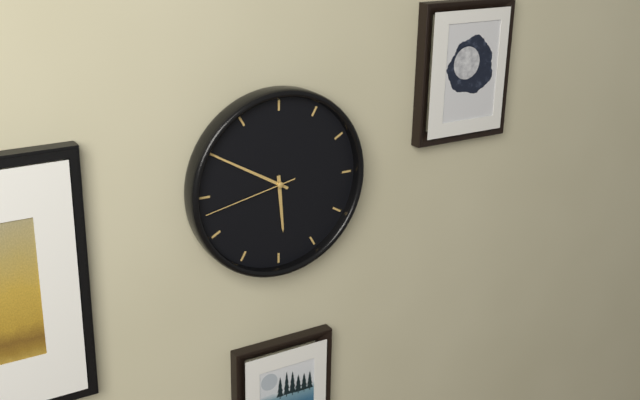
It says 5:50:43
